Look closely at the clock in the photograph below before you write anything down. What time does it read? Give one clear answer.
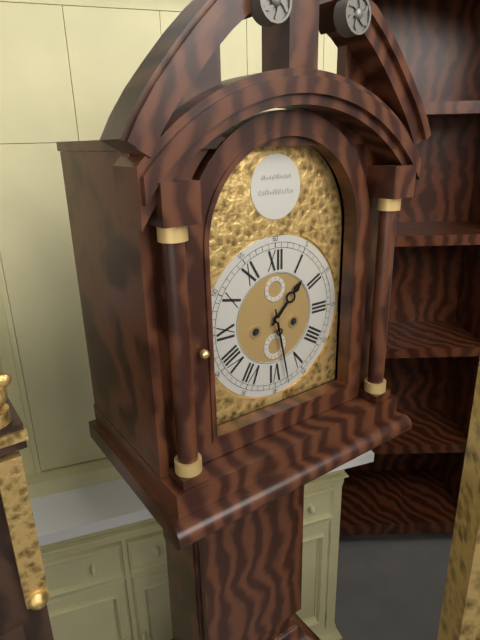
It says 1:28
